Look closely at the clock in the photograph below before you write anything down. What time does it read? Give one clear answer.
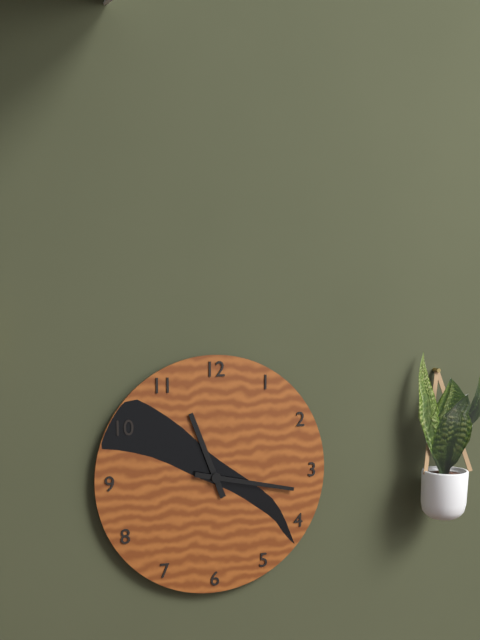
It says 11:17
